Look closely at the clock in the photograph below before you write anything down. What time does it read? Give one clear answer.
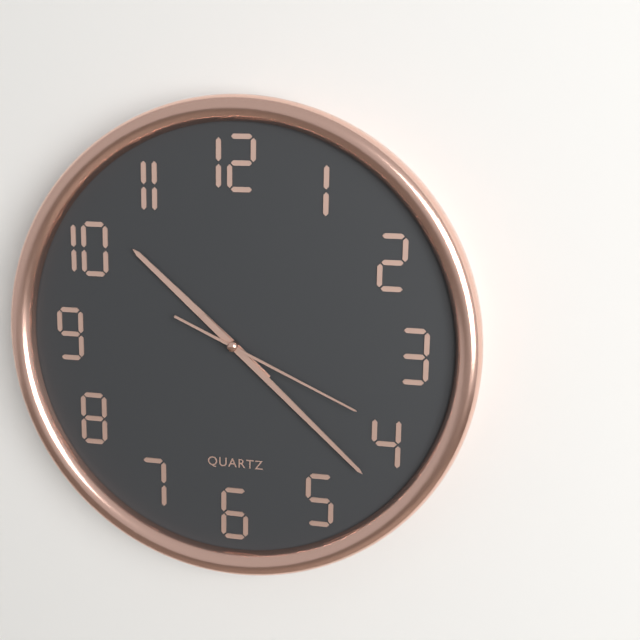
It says 10:22:19
